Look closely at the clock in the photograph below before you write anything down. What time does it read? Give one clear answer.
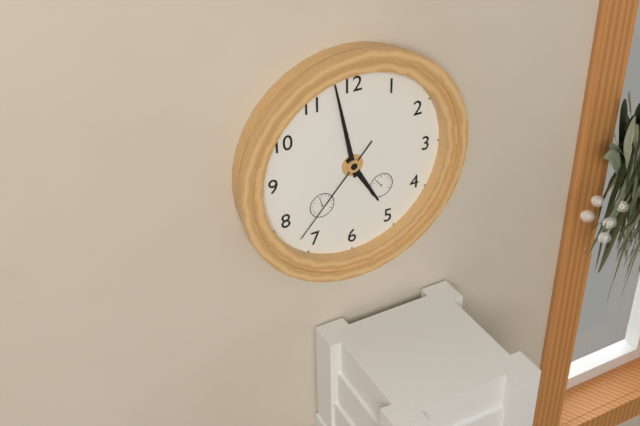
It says 4:58:37
